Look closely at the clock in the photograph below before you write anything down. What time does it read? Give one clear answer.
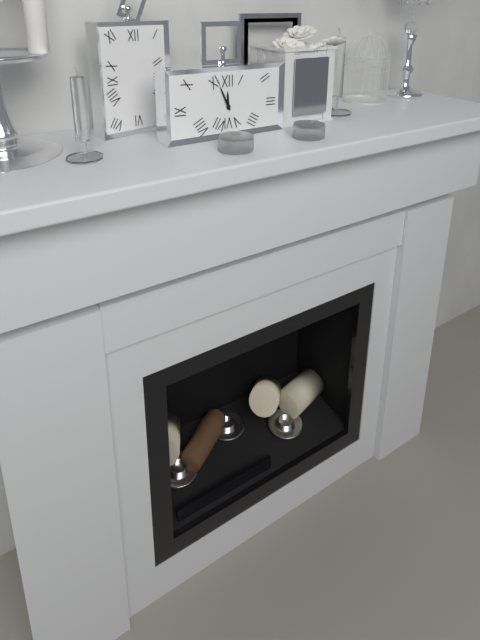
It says 11:56
